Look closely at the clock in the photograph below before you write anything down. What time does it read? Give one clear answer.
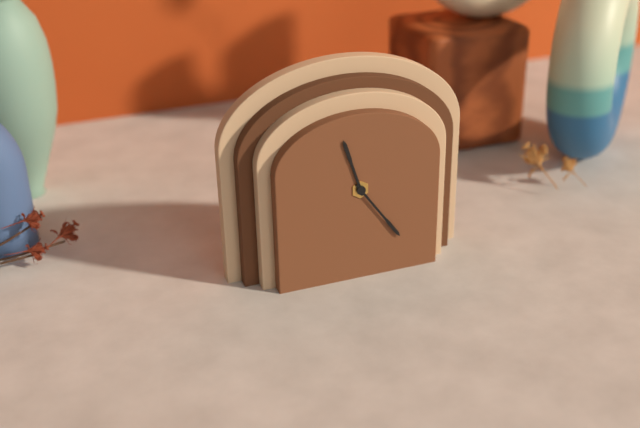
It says 11:24
